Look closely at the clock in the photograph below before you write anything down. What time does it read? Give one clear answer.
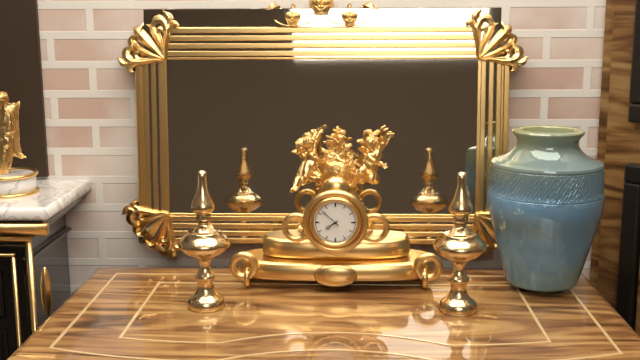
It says 7:52
